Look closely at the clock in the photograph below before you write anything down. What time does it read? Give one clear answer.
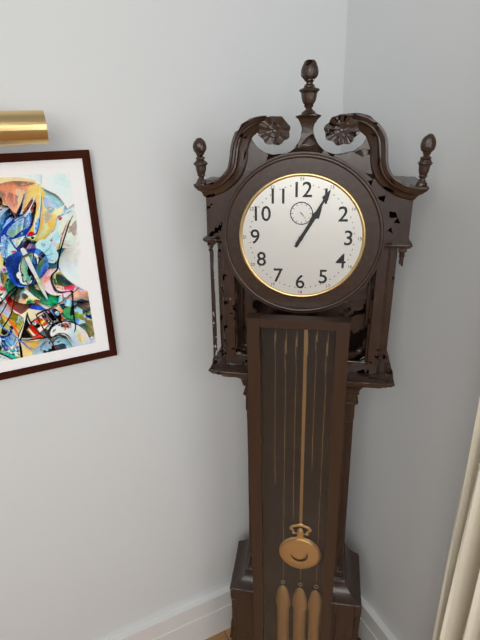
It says 1:05
